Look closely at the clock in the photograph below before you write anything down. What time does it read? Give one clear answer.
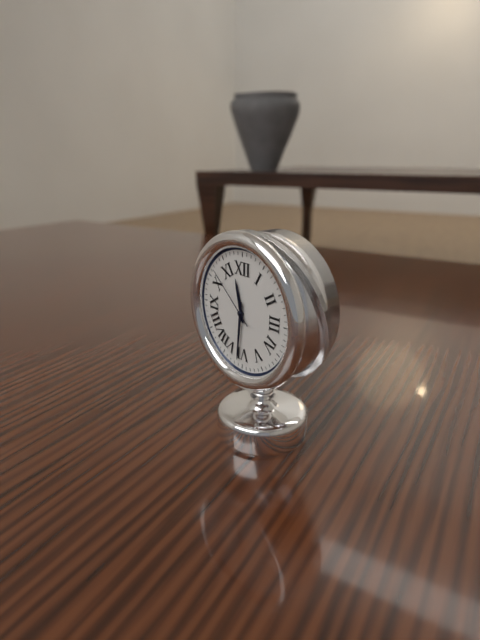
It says 11:31:52
